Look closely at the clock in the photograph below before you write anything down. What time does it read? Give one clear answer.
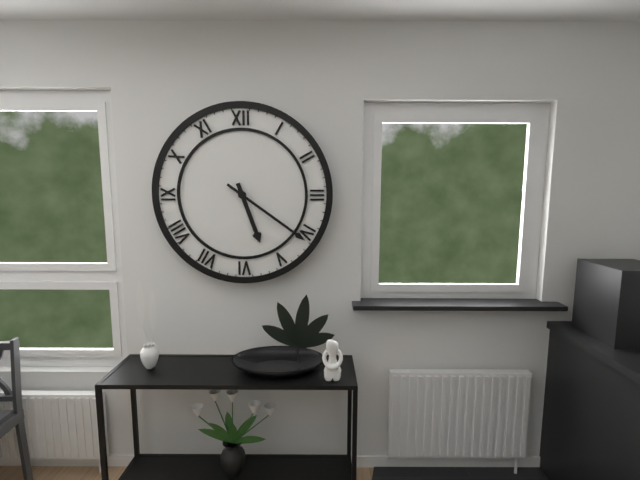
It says 5:21
